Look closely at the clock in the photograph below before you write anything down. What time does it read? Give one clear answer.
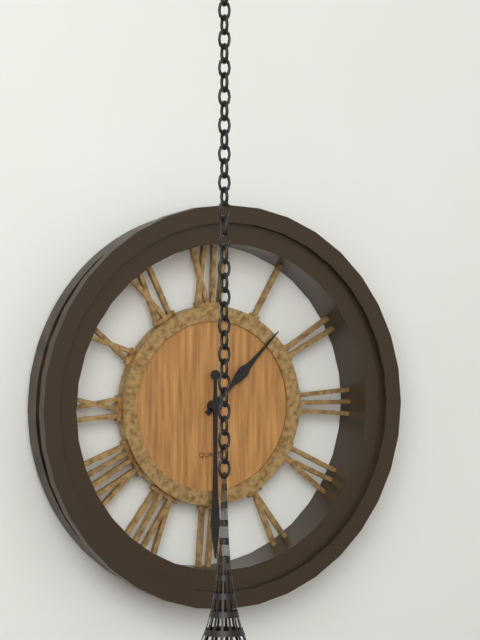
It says 1:30
